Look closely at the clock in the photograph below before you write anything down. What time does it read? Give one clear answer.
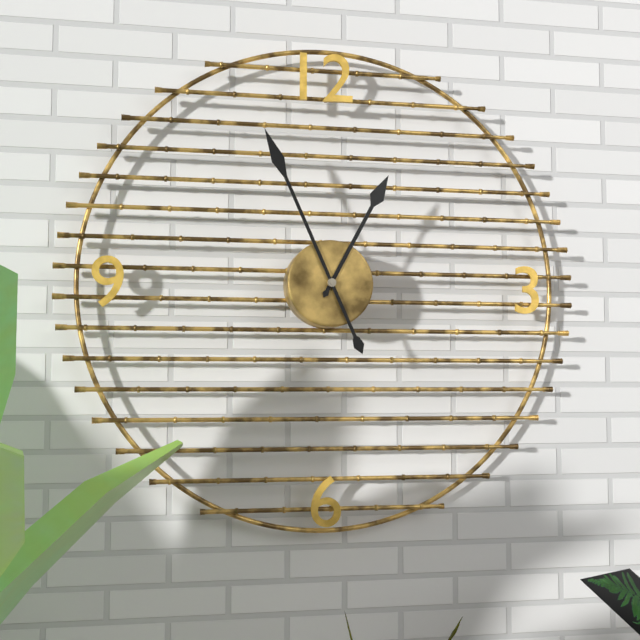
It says 12:56
